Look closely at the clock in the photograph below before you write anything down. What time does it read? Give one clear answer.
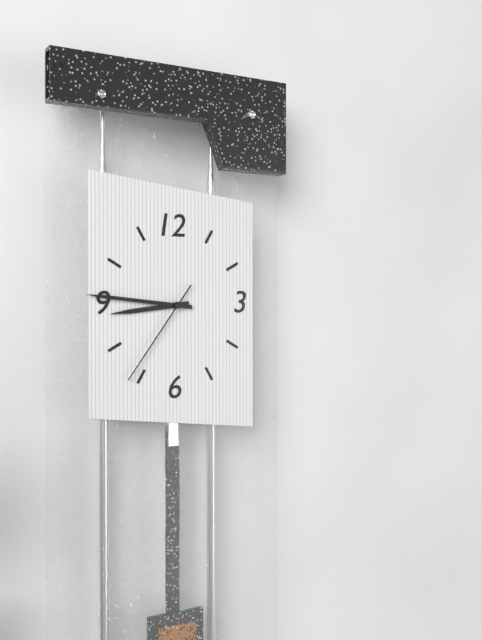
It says 8:46:36
